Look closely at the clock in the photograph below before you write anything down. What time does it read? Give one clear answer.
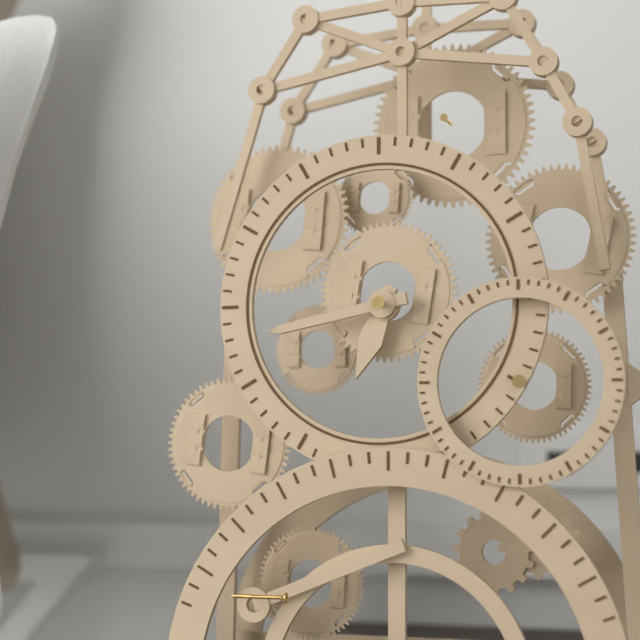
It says 6:43
